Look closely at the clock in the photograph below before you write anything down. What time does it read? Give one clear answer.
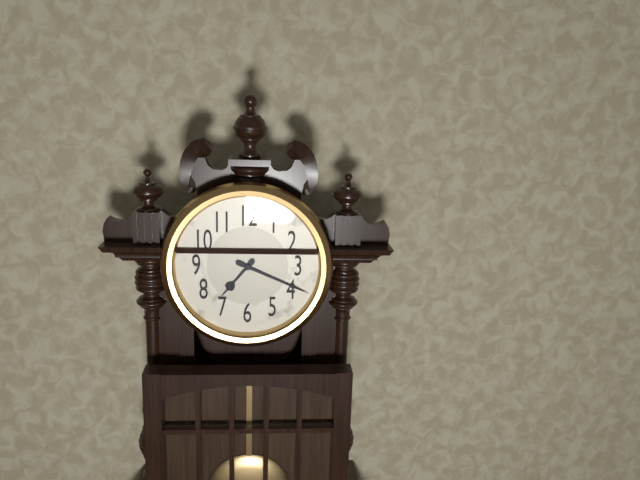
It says 7:19
